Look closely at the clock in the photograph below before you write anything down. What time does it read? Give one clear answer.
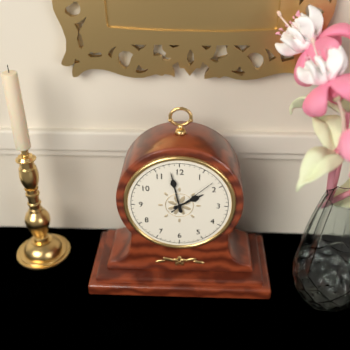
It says 1:58:08
